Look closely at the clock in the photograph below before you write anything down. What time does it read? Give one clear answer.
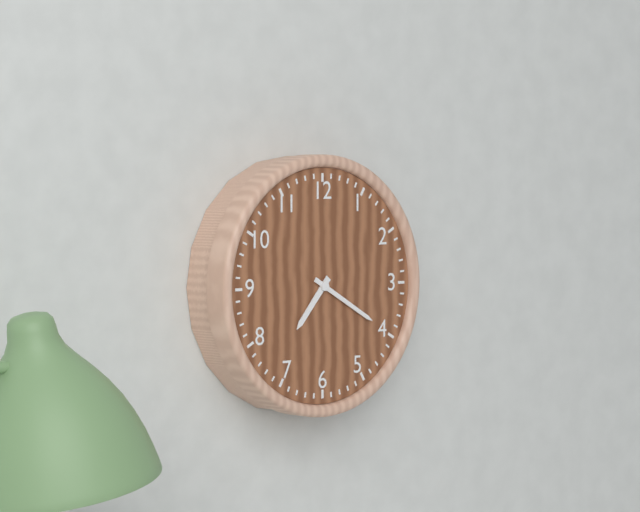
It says 7:20
